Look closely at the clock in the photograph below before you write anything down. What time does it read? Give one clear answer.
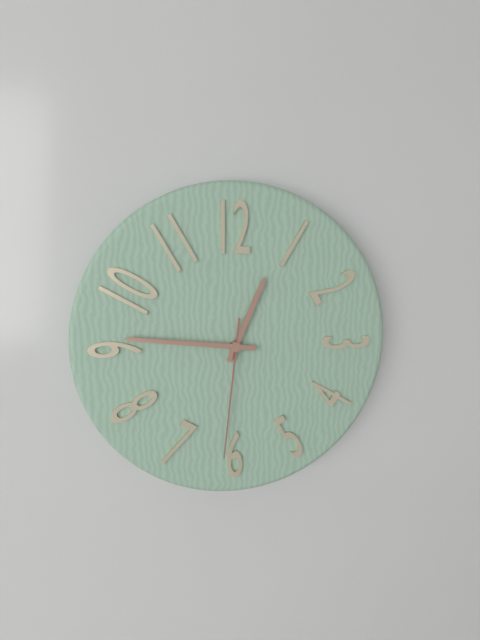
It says 12:46:31
